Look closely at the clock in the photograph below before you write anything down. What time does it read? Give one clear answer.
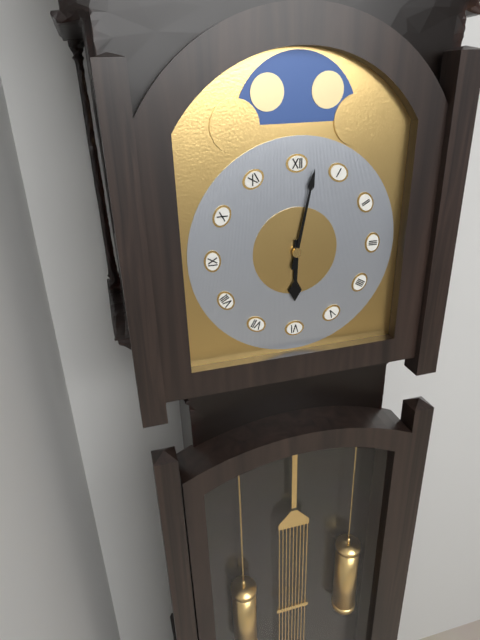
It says 6:02
